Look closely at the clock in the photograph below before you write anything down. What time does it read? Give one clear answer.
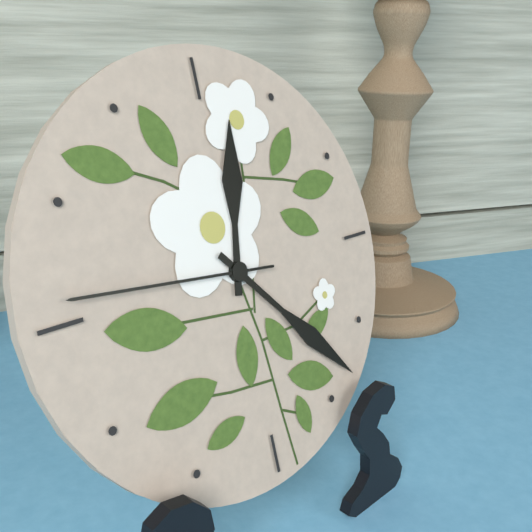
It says 12:23:46
